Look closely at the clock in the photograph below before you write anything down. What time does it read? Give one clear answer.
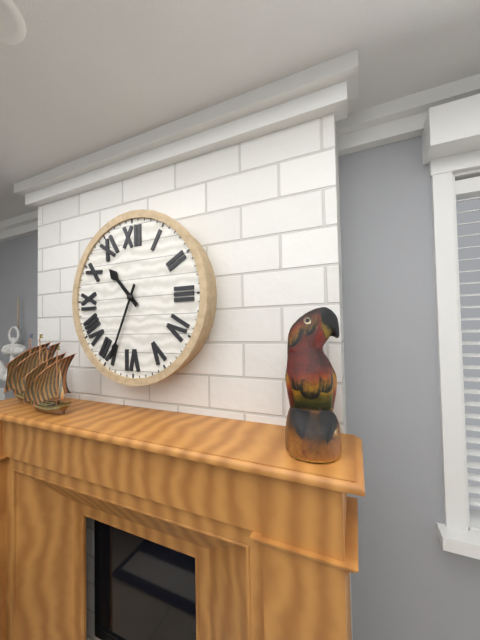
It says 10:34
